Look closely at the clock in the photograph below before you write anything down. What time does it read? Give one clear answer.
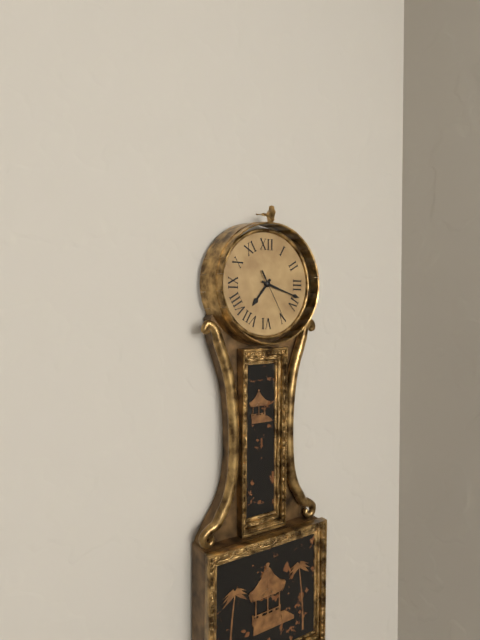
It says 7:18
